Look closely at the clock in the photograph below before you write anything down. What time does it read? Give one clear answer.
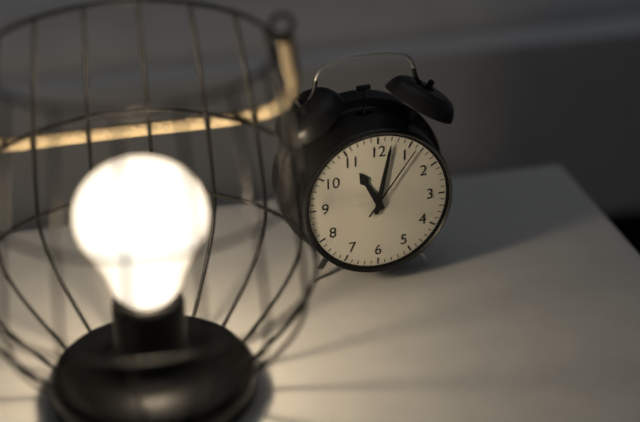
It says 11:02:06
